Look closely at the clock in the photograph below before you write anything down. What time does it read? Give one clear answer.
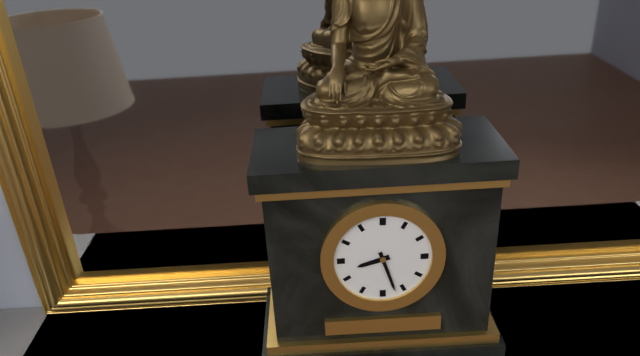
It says 8:27
